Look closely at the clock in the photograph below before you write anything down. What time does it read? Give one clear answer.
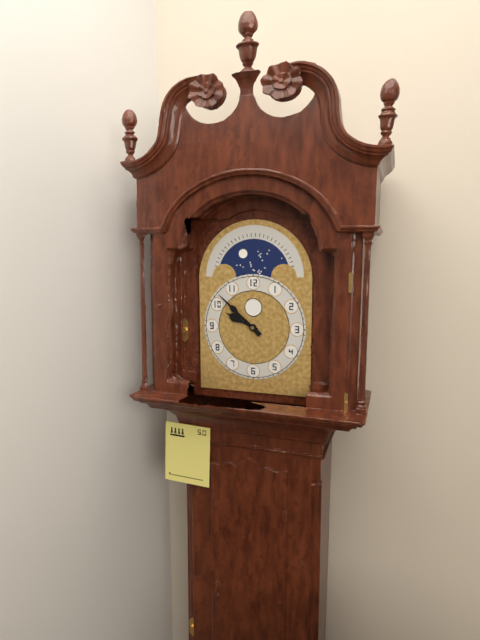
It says 9:52
